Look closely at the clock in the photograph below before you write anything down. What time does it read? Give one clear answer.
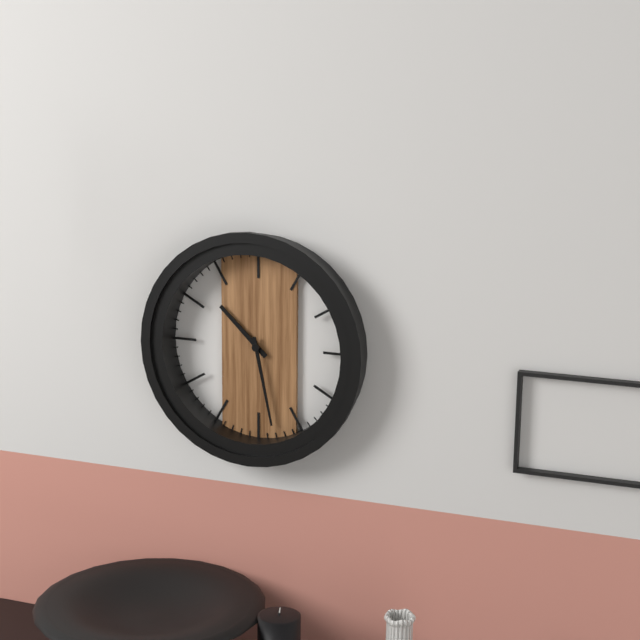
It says 10:28
